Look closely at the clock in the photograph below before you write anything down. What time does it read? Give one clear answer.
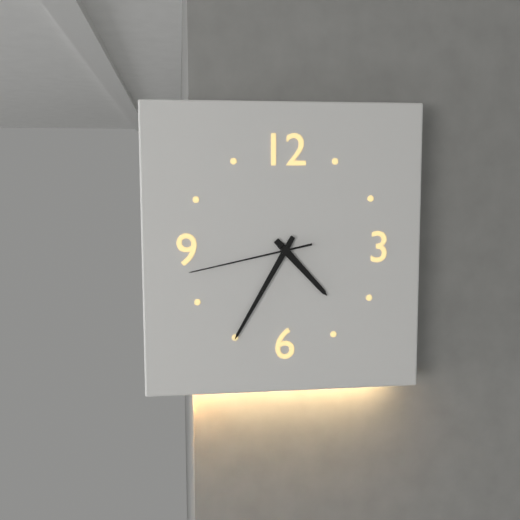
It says 4:35:43
